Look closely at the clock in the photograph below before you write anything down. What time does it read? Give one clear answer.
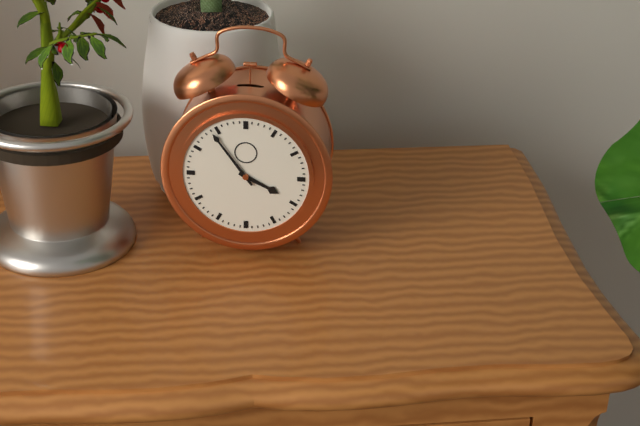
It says 3:54
